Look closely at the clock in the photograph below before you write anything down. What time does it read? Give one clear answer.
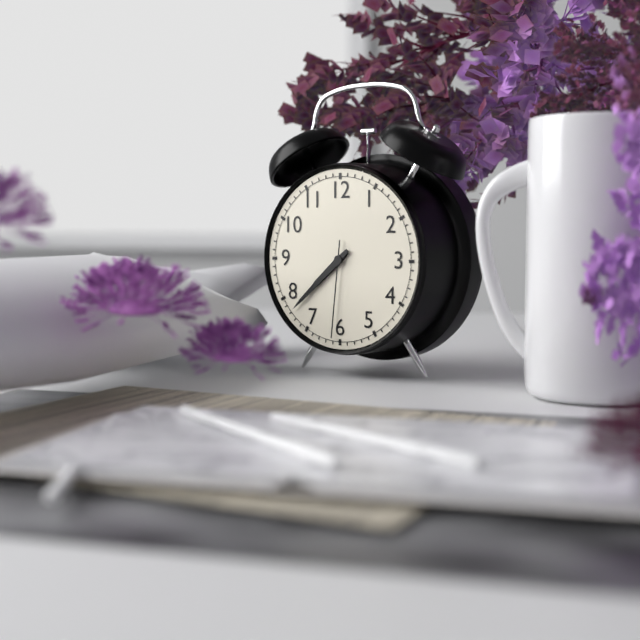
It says 7:38:31
